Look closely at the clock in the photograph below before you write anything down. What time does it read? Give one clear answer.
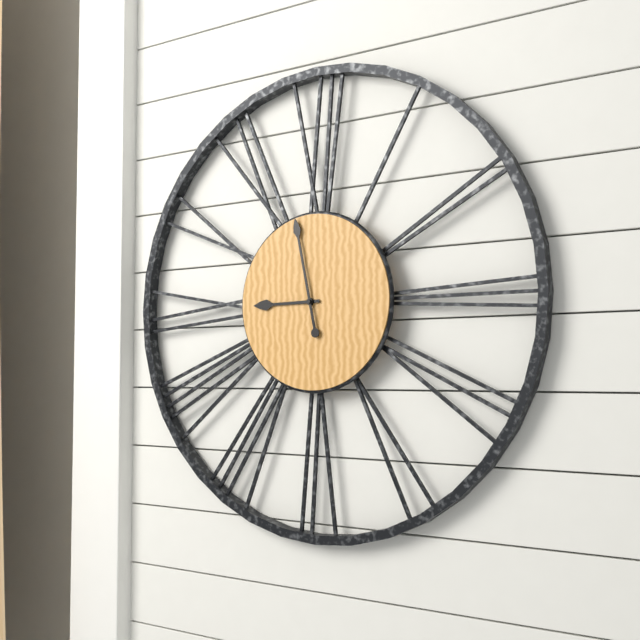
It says 8:58
